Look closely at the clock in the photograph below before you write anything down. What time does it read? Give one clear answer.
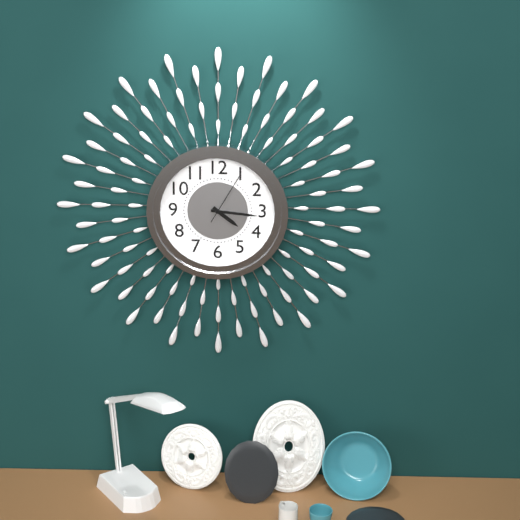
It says 4:16:05
